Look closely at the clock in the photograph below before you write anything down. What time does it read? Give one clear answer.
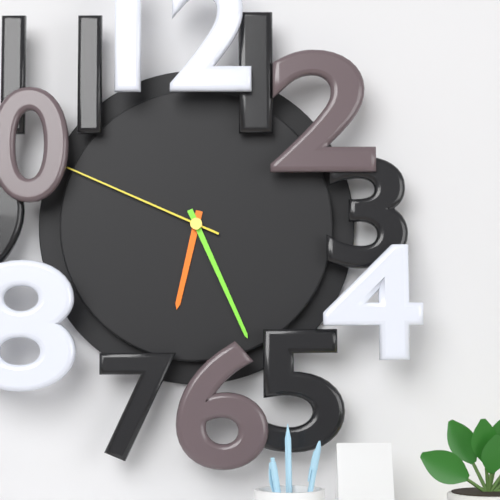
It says 6:26:49
